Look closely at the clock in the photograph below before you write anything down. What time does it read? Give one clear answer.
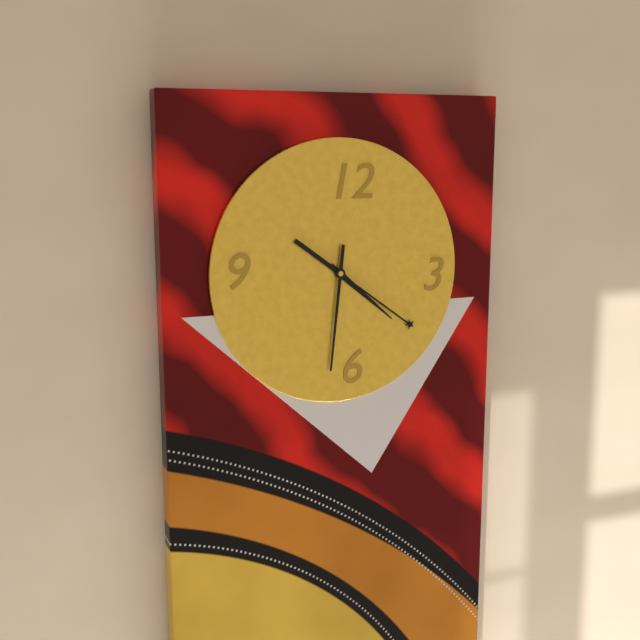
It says 4:21:31
